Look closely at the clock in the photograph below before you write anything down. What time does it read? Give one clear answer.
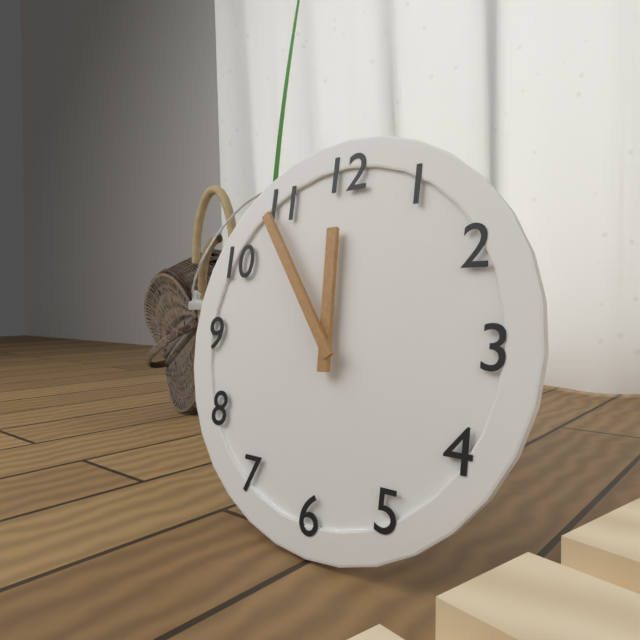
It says 11:54
